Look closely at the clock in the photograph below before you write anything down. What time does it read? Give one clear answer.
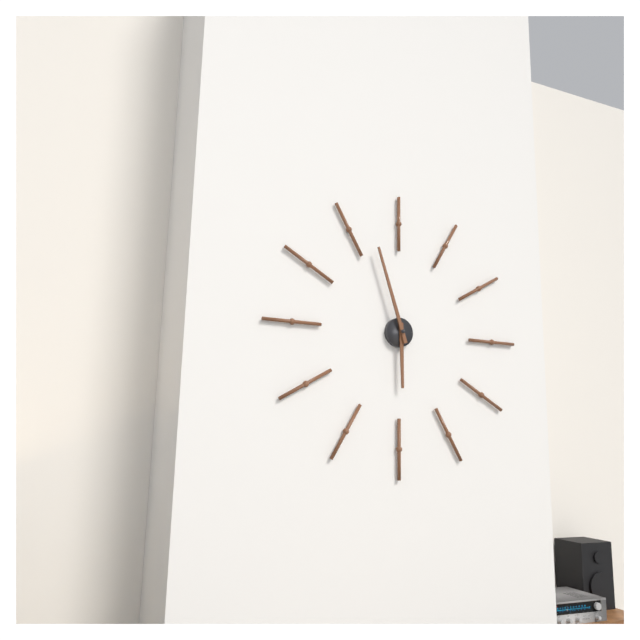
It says 5:57
